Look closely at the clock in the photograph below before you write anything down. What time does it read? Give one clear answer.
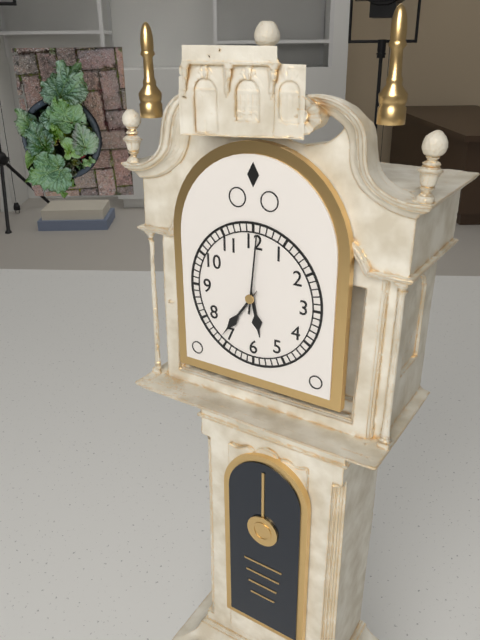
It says 5:36:01
